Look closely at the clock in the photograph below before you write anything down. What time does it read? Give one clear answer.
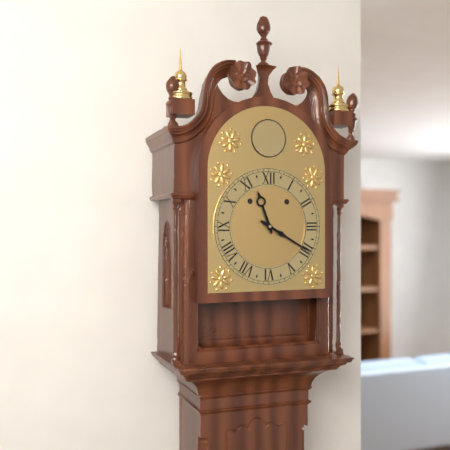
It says 11:20
